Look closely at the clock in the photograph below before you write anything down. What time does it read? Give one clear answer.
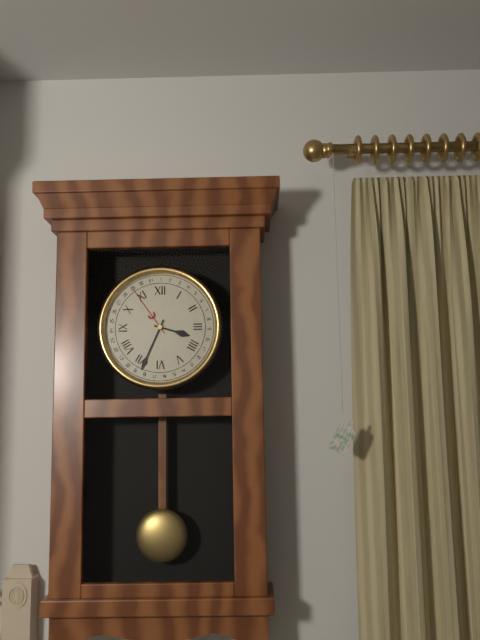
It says 3:34
